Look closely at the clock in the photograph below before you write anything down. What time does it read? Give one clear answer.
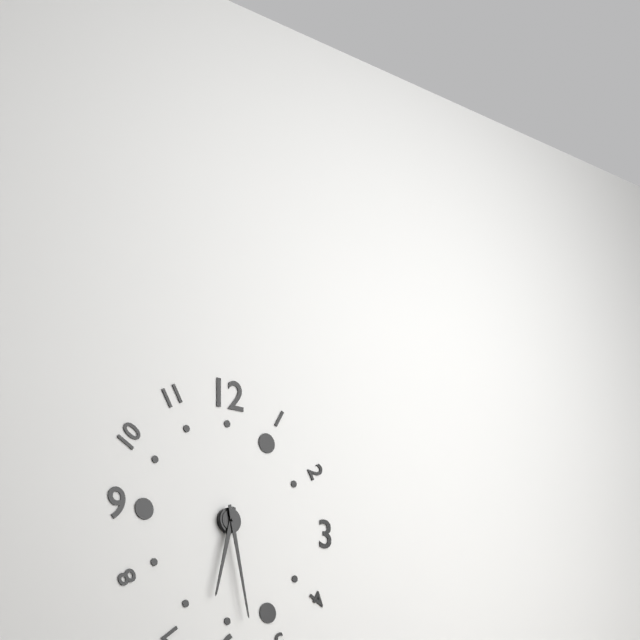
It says 6:28
